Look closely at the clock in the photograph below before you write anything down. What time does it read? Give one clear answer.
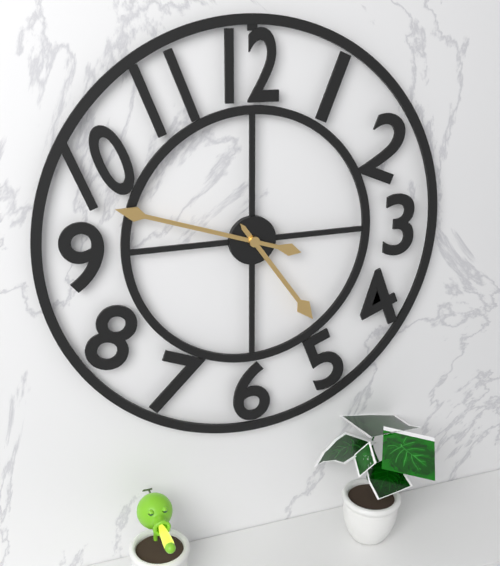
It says 4:48
